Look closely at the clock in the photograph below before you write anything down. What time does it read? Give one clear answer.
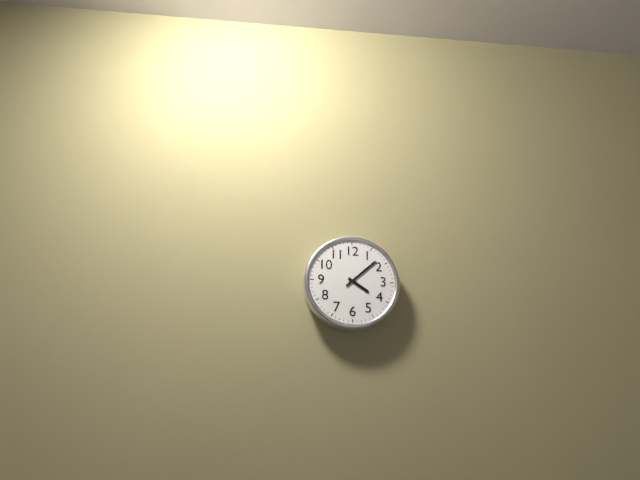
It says 4:08
